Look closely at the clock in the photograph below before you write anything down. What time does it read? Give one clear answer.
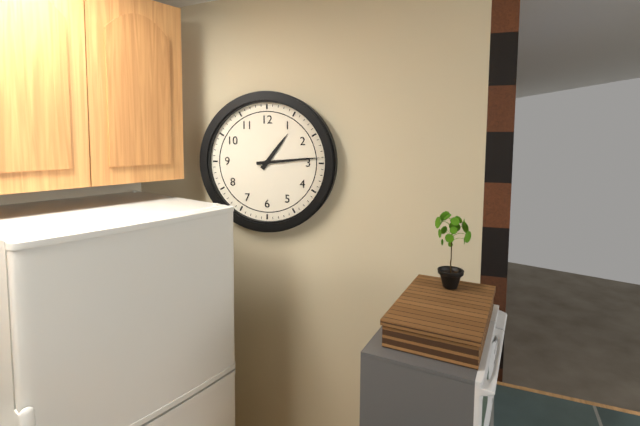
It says 1:14
